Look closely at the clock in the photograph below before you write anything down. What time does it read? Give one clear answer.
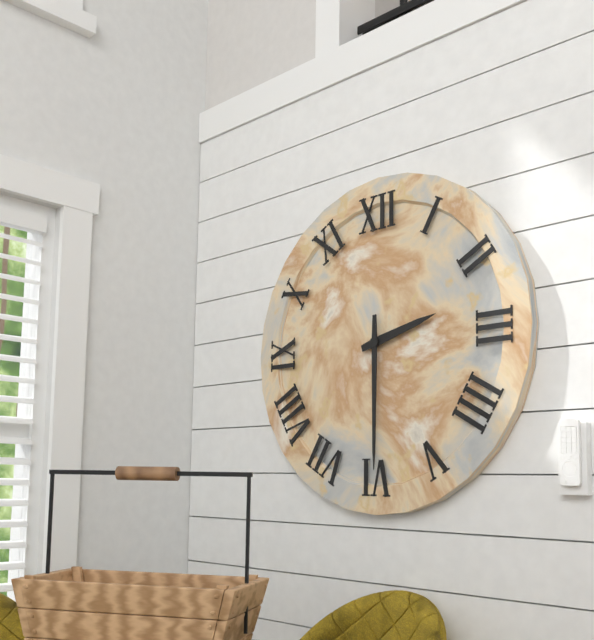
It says 2:30
